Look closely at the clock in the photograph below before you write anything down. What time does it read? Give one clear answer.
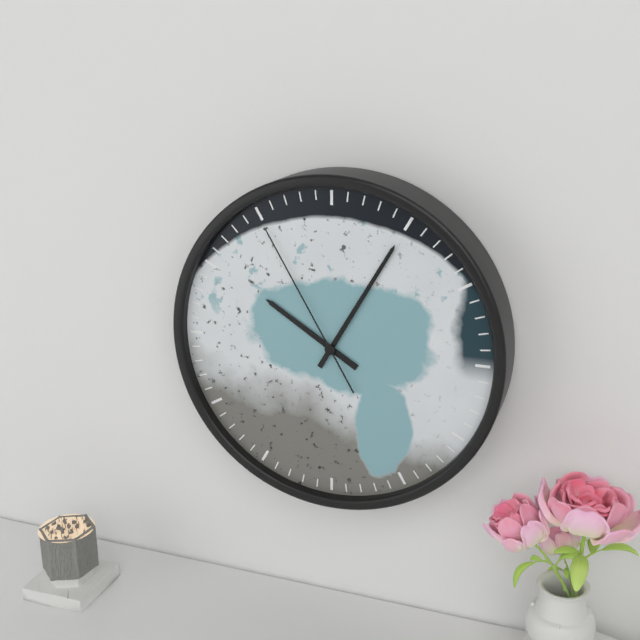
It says 10:05:55
